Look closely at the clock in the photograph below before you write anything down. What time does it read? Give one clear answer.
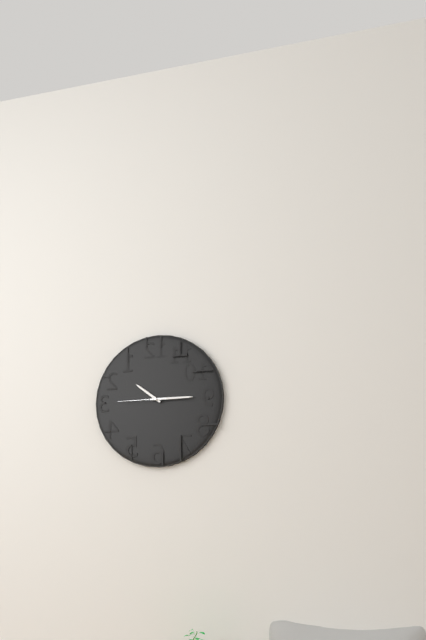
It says 10:15:45
